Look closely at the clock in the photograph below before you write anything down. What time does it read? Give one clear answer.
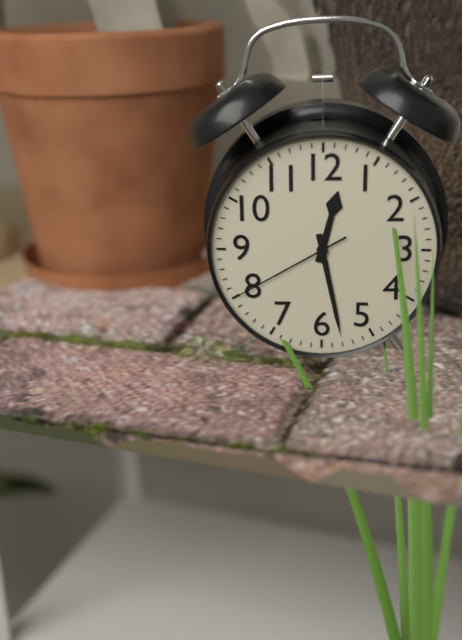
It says 12:28:40
